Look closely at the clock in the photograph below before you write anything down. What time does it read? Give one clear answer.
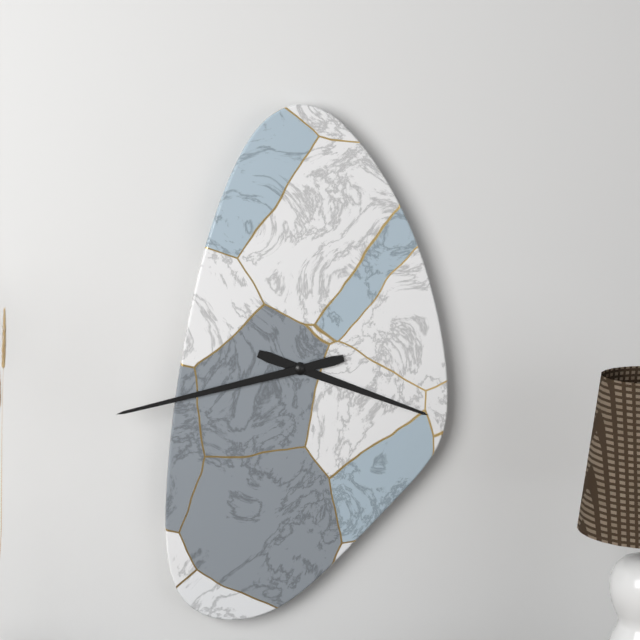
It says 3:43
